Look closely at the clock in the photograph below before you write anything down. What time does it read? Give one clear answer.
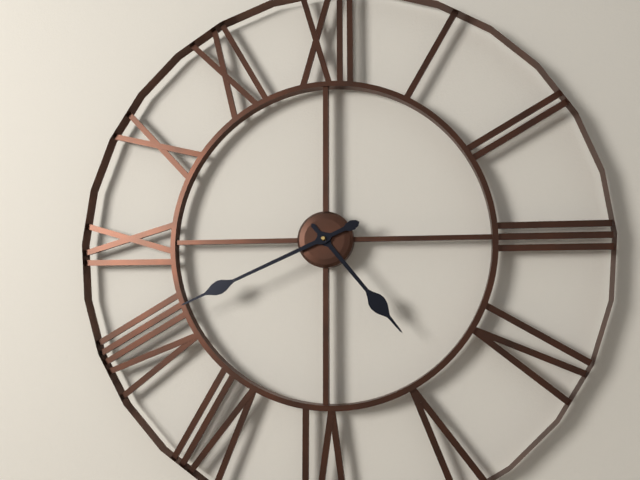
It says 4:41
